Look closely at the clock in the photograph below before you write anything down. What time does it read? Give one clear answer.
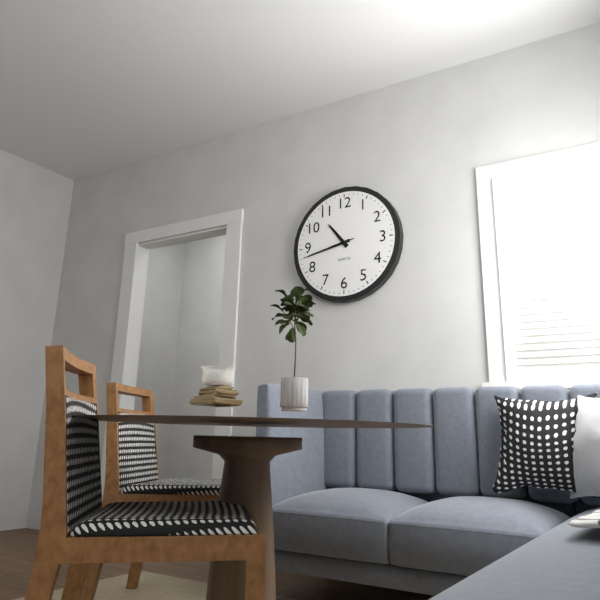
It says 10:43:43
